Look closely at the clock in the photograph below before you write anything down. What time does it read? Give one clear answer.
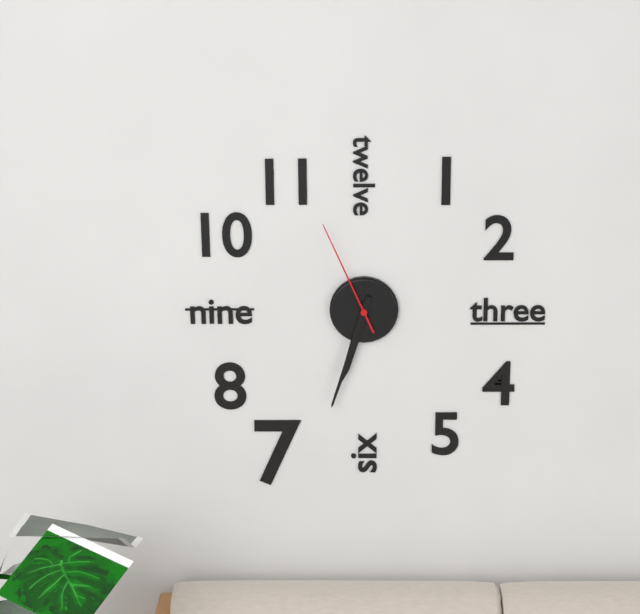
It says 6:33:56
